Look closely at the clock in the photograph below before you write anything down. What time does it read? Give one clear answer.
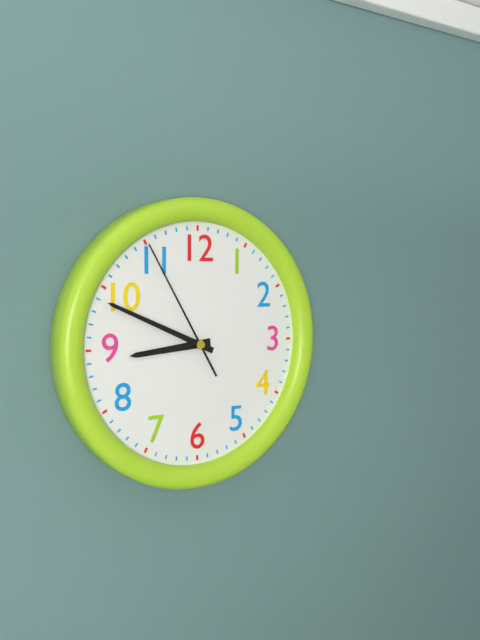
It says 8:49:55
